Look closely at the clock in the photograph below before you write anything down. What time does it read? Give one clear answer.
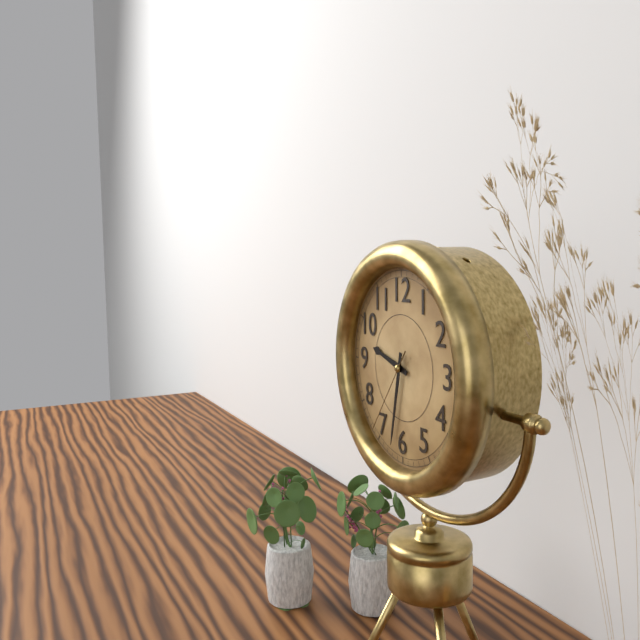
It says 9:32:36
